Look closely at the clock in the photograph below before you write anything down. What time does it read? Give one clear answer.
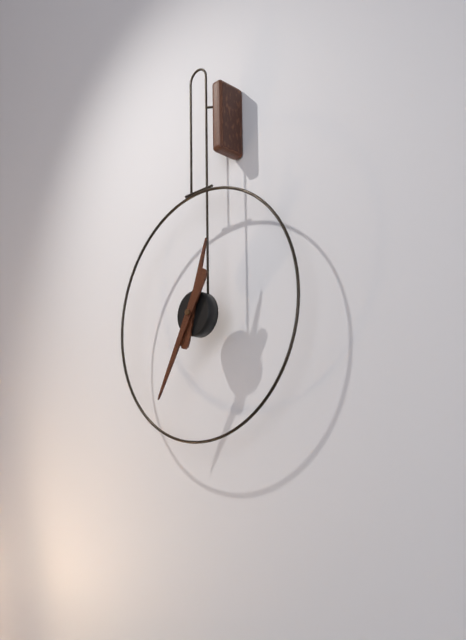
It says 12:35
